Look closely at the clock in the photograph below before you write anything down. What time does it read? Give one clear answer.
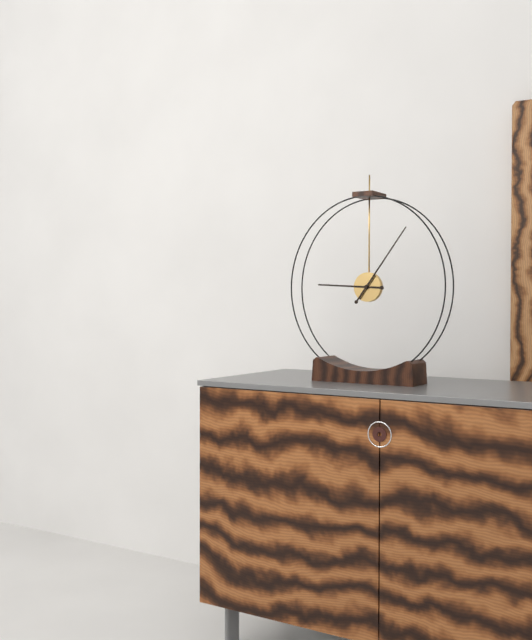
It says 9:06
